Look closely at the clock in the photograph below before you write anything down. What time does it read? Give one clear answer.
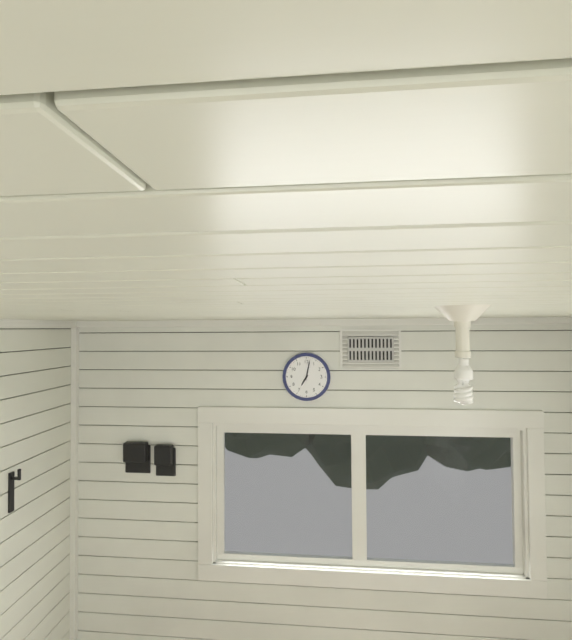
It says 7:02
